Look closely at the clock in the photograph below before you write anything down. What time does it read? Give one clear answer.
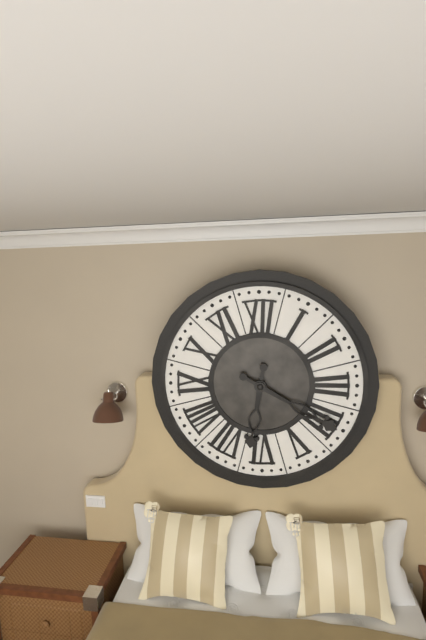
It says 6:20
